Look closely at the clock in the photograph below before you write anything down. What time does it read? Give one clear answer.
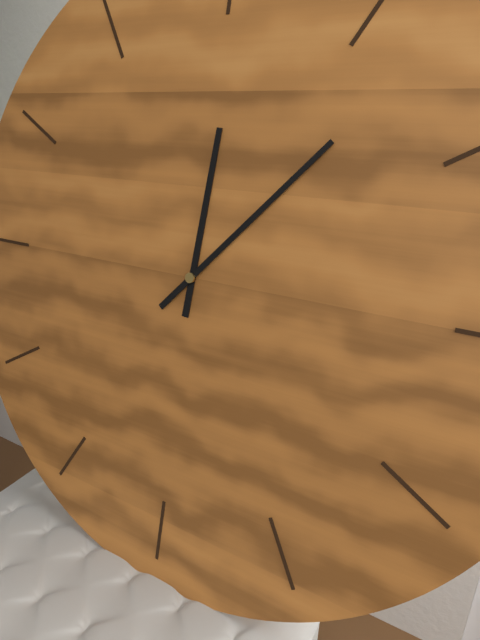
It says 12:07
